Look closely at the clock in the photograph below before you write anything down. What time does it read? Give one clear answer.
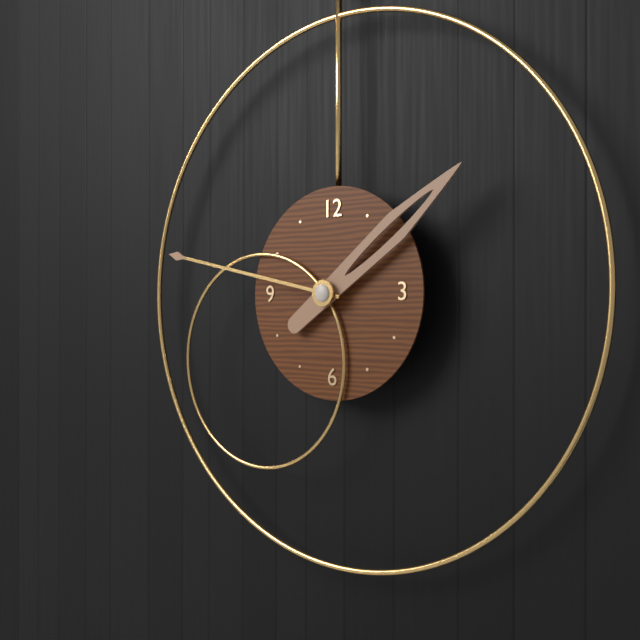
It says 1:47
